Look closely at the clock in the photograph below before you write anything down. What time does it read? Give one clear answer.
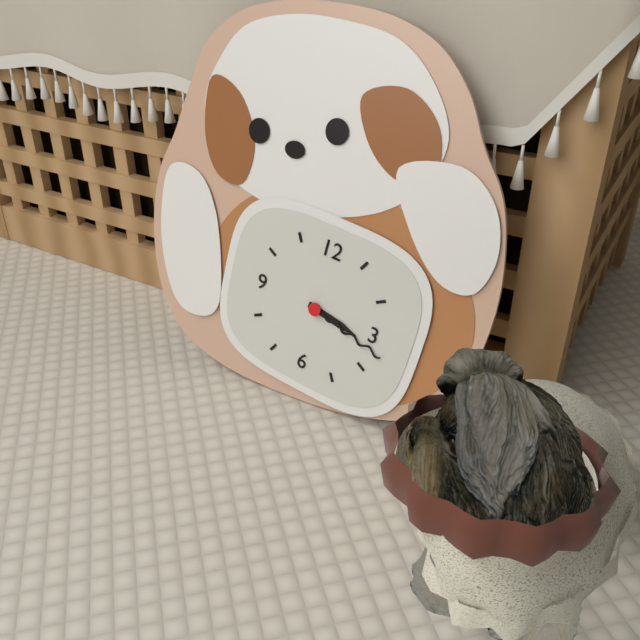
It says 3:17
